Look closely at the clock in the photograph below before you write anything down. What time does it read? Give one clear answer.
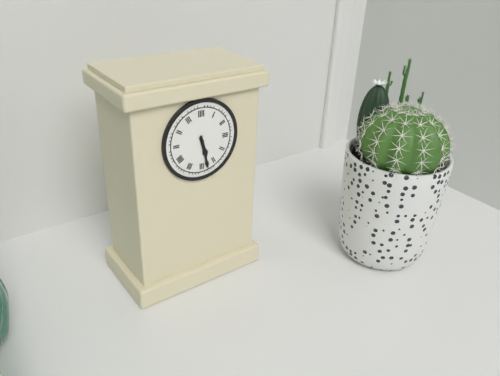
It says 5:28
